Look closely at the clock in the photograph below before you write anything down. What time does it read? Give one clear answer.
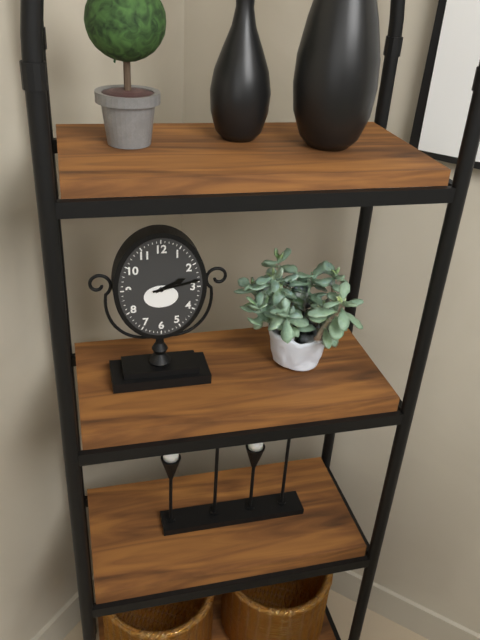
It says 2:13
